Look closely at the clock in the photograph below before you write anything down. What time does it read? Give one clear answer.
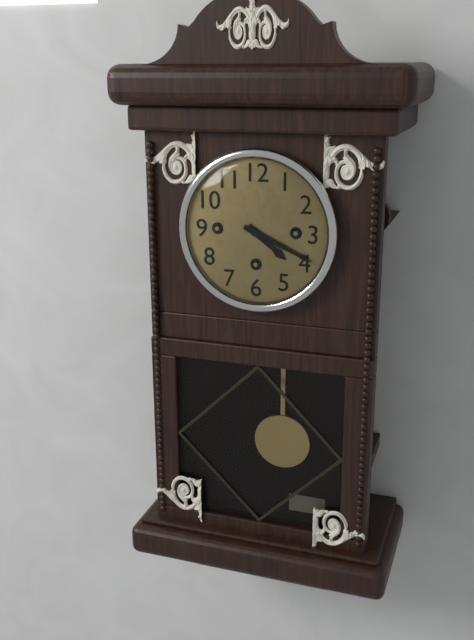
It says 4:19
